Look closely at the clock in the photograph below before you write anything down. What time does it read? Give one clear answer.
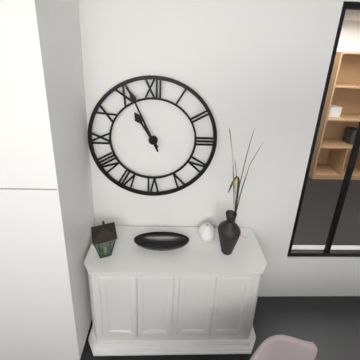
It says 10:56
